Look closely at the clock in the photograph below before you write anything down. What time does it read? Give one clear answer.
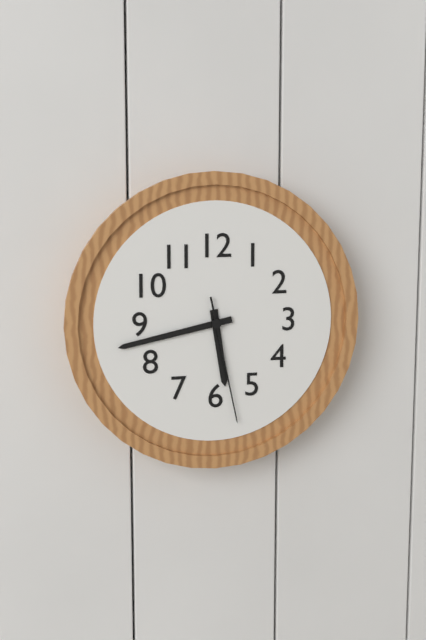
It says 5:43:28
